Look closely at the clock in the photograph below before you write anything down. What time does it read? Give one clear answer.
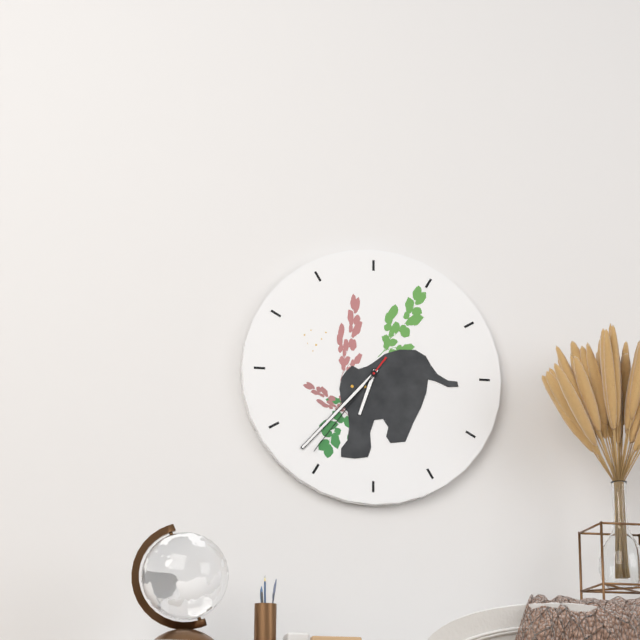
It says 6:37:36
